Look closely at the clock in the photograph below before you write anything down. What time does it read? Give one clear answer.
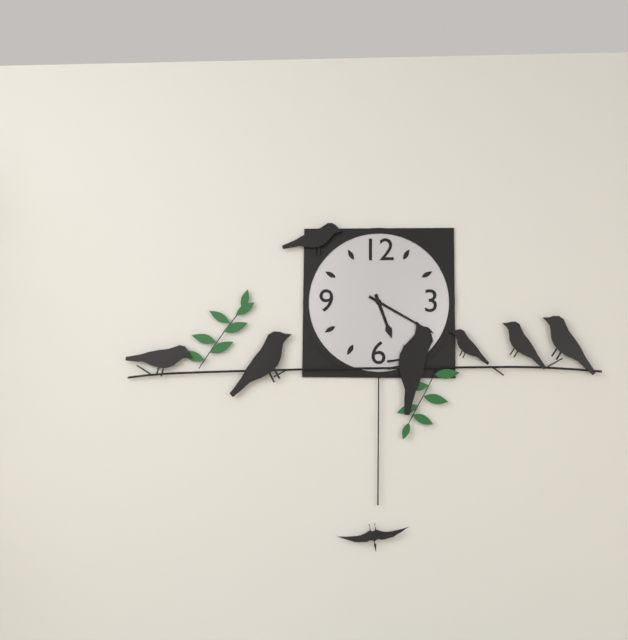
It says 5:20
